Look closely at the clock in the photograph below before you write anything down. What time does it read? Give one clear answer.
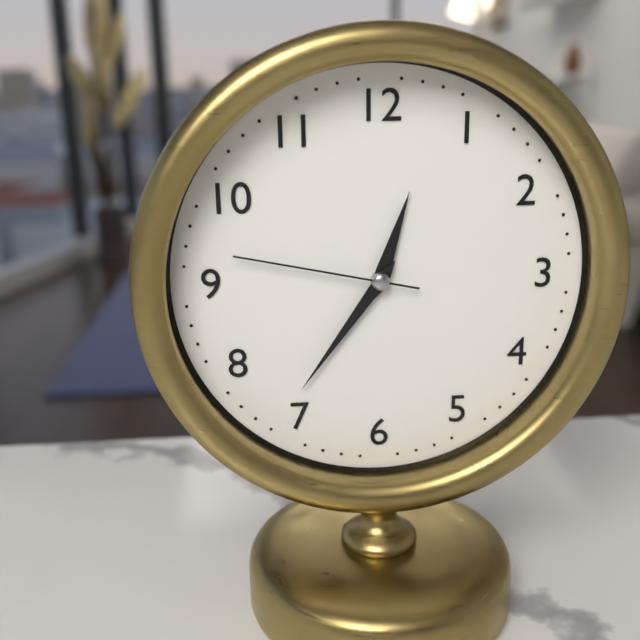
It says 12:36:47
